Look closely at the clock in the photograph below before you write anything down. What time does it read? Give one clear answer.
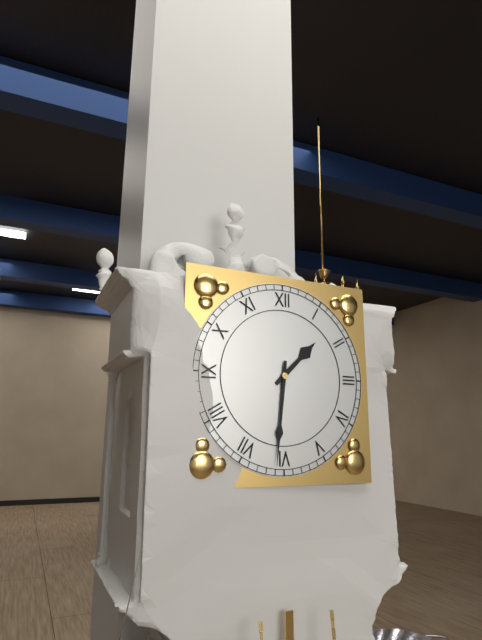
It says 1:31
